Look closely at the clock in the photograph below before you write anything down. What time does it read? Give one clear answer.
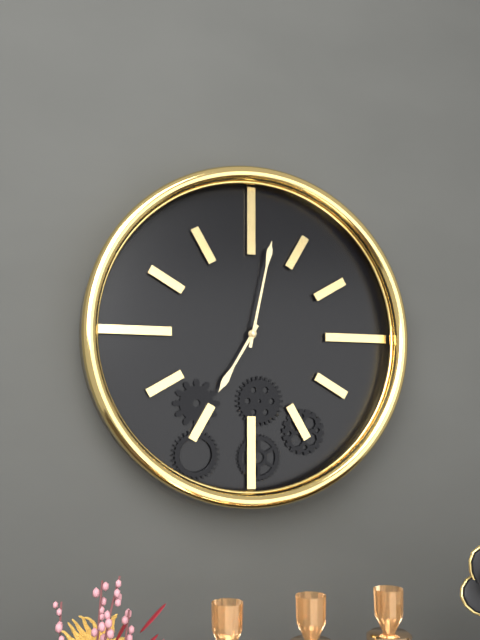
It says 7:02
